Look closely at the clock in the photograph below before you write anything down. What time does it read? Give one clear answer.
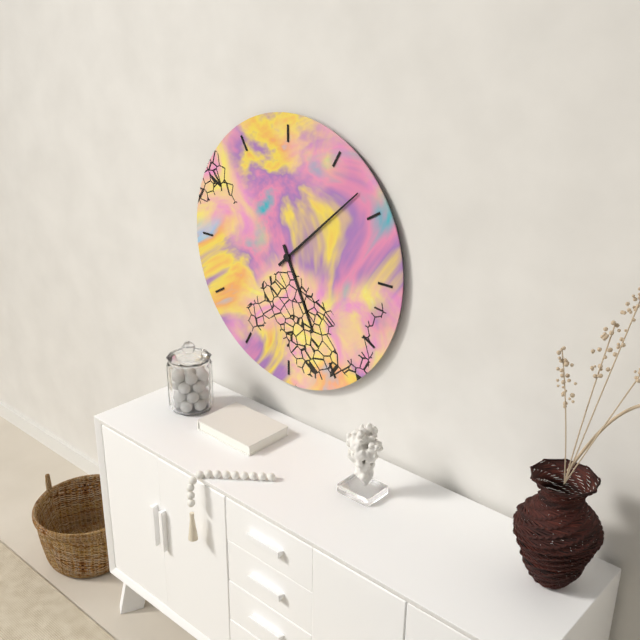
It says 5:08
